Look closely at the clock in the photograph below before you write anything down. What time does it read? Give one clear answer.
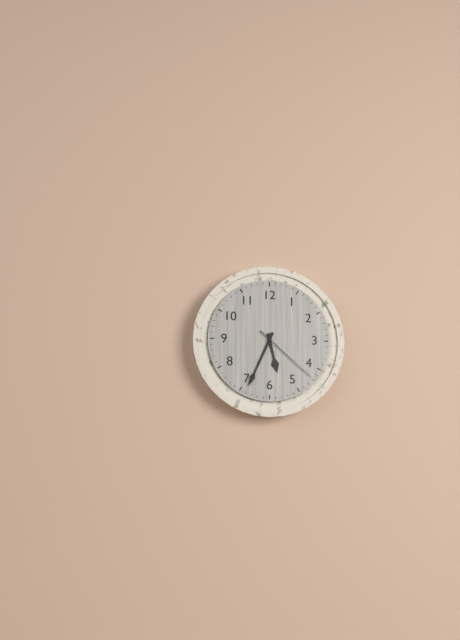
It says 5:34:22
